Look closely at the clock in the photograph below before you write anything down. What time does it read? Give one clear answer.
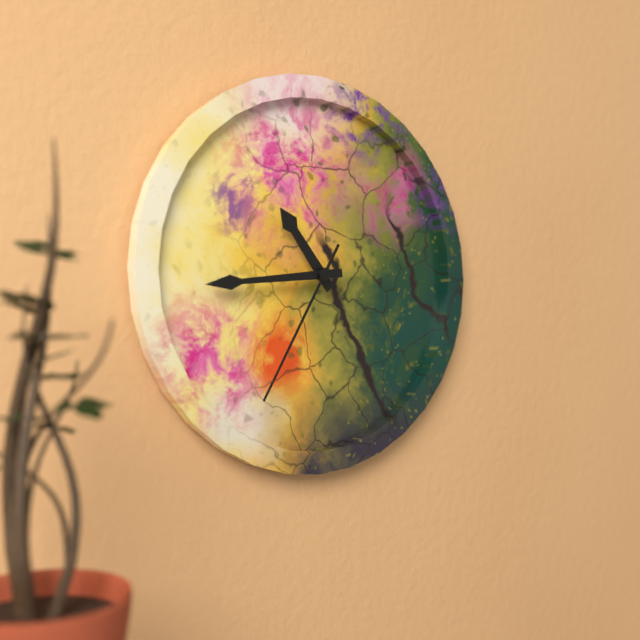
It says 10:44:35
